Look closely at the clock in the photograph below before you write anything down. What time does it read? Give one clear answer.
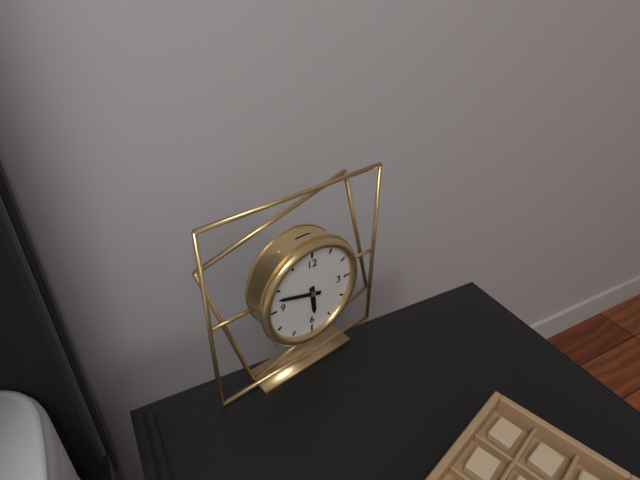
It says 5:48
